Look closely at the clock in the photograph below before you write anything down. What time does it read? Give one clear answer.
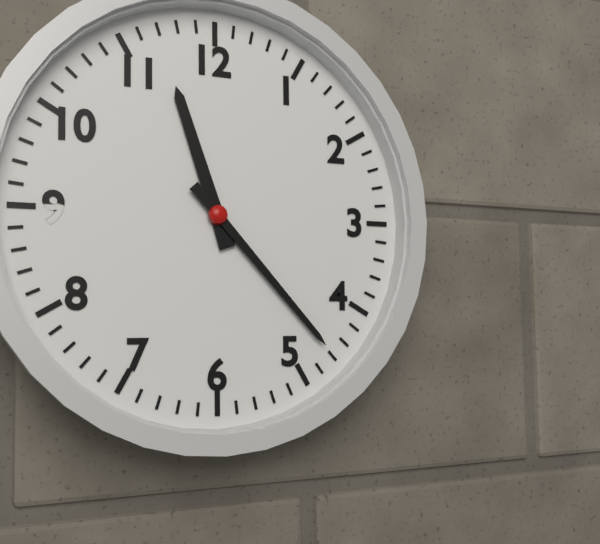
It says 11:23
